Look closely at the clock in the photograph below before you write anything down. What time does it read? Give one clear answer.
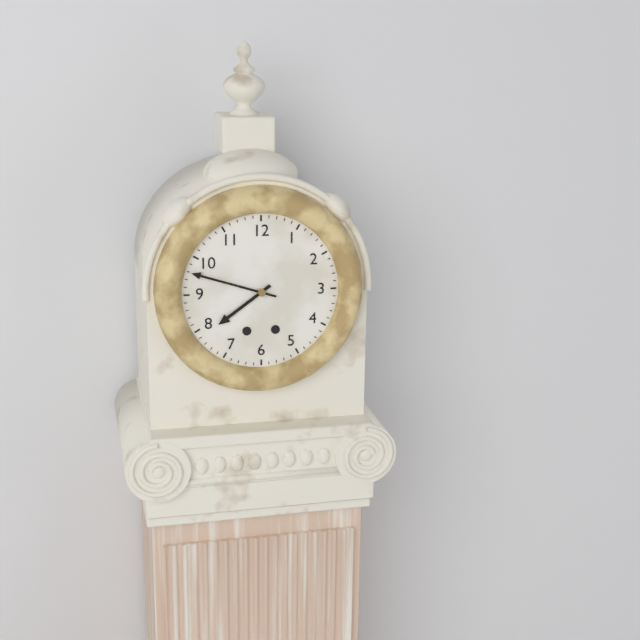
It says 7:48
